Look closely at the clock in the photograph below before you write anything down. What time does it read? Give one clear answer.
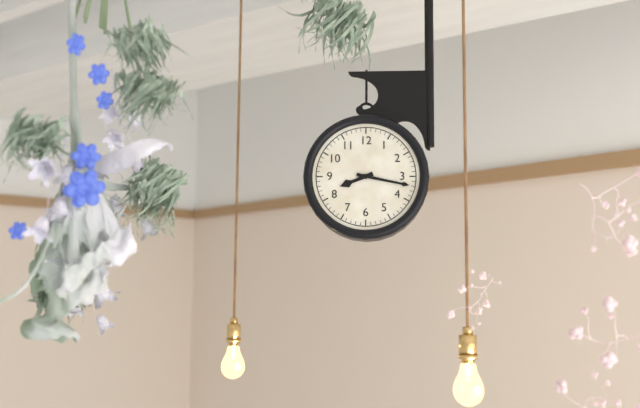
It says 8:17
